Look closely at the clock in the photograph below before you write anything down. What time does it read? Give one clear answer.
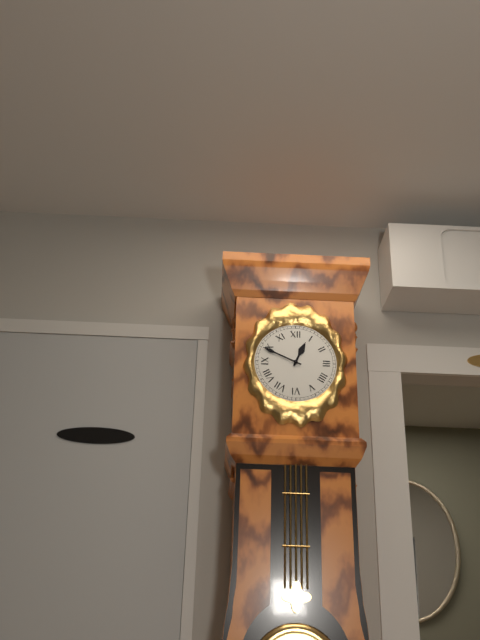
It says 12:49
